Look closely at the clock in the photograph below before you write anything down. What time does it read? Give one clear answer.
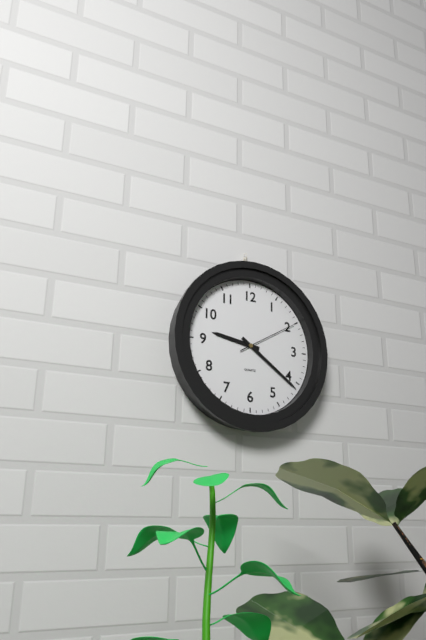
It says 9:21:10
